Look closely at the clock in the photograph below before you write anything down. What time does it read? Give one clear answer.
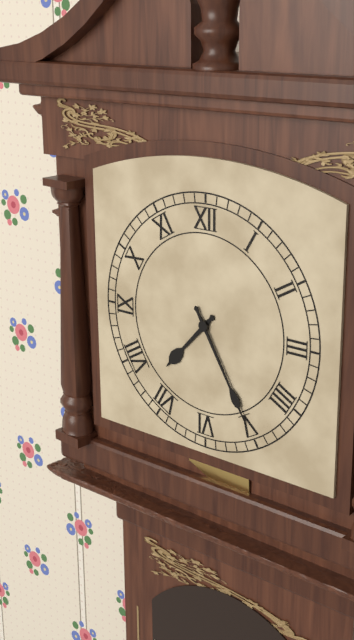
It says 7:25
